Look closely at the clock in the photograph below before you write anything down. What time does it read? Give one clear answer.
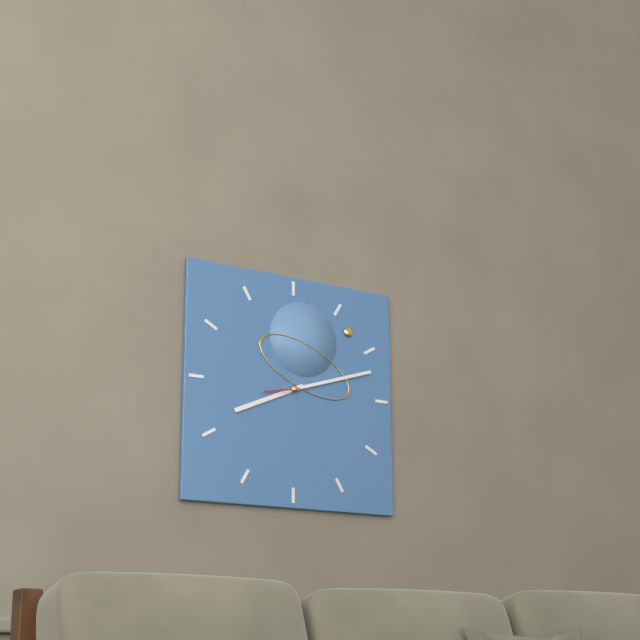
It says 8:12
